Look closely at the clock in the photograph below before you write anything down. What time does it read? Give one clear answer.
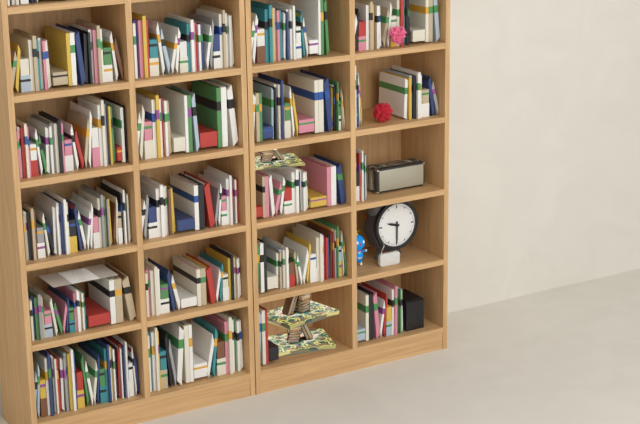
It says 9:30
